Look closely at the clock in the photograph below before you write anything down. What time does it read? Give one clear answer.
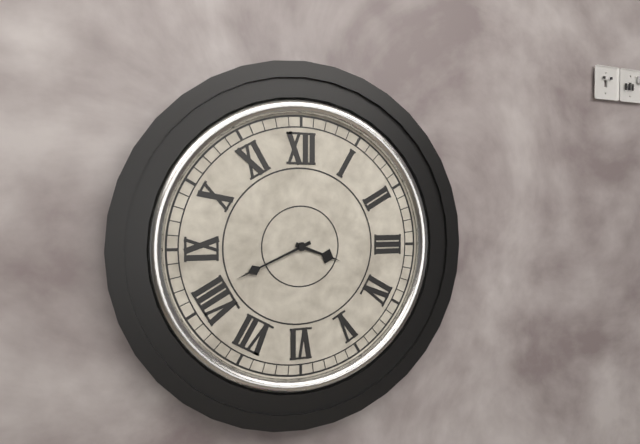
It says 3:41
